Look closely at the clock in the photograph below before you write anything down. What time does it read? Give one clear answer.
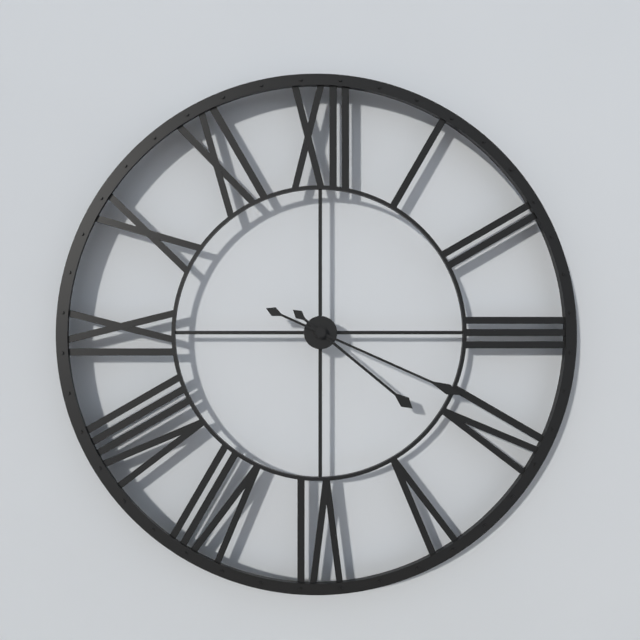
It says 4:19
